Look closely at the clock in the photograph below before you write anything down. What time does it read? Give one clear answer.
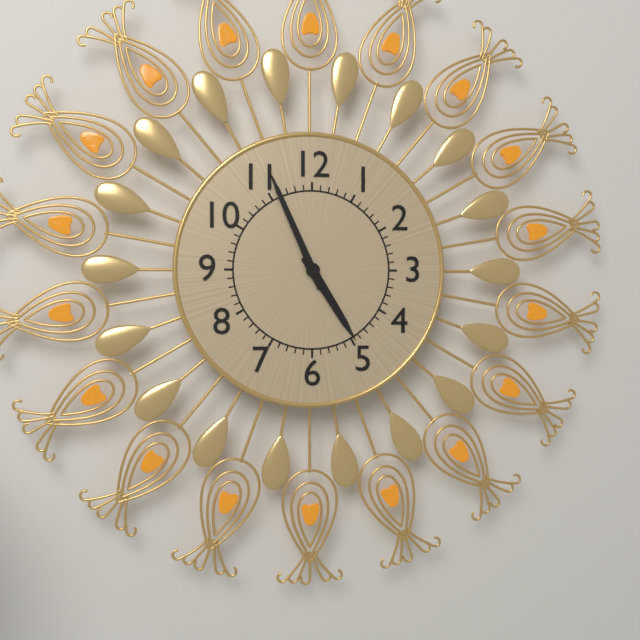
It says 4:56
